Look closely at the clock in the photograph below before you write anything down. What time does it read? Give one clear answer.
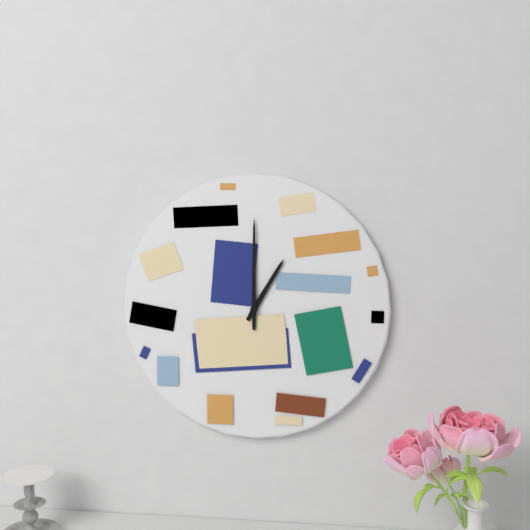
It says 1:00
